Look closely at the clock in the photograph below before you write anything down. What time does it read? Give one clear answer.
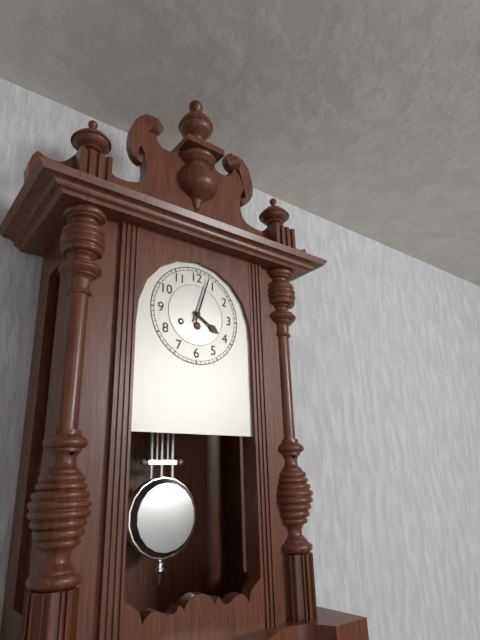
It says 4:03
